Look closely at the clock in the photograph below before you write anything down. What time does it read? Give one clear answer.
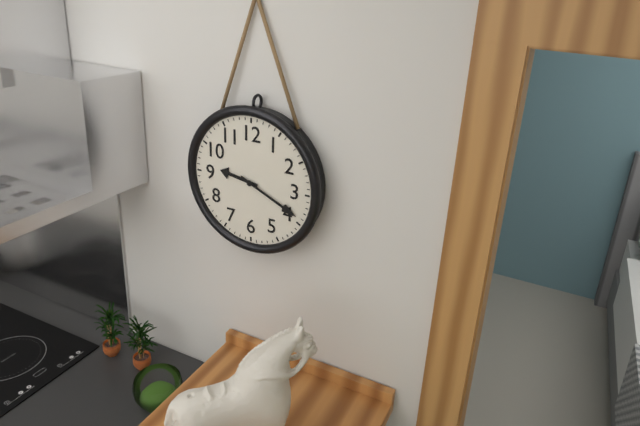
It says 9:19
